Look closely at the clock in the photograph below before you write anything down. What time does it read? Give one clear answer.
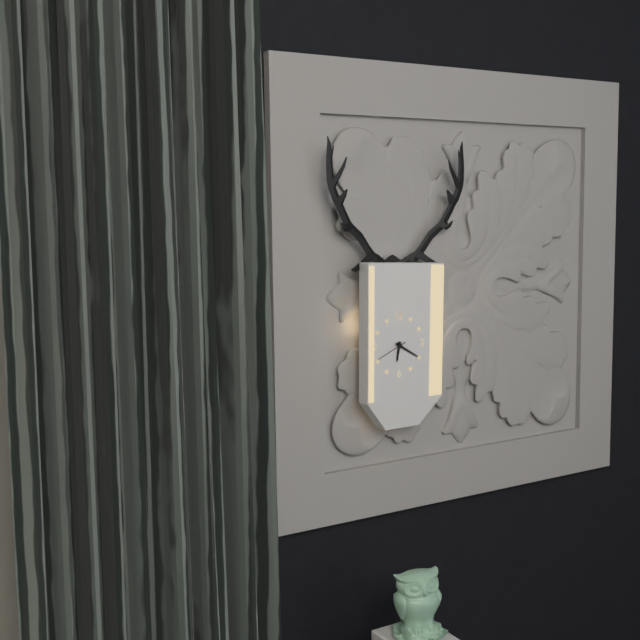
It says 6:20
